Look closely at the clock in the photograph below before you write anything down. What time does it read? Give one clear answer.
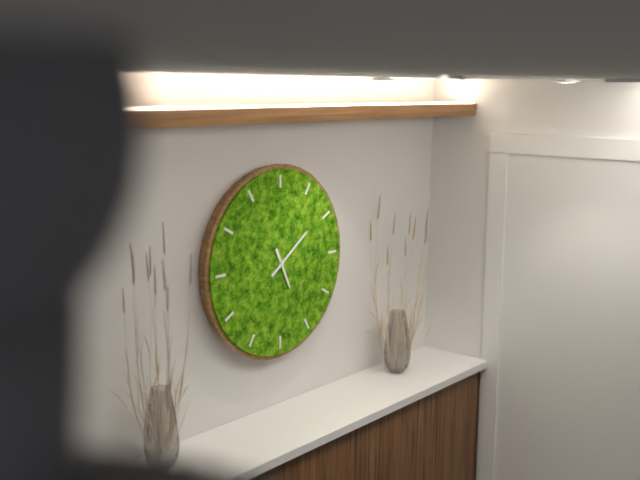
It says 5:09
